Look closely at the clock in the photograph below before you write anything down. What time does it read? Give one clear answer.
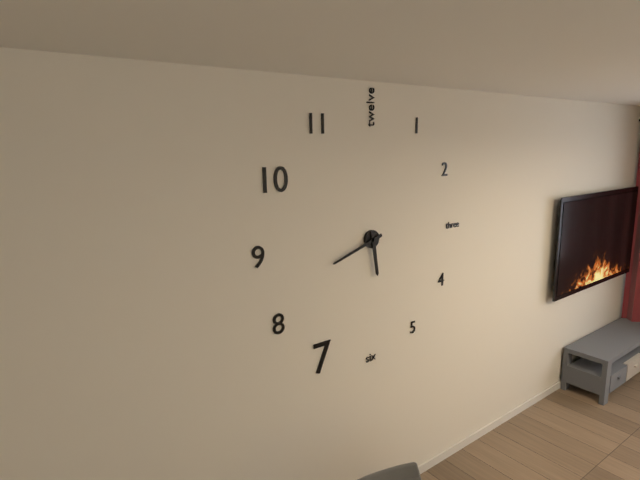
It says 5:42
